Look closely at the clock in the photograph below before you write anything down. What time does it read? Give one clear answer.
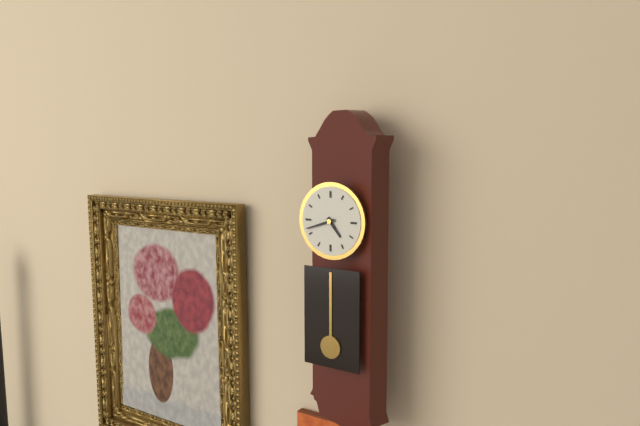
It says 4:42
